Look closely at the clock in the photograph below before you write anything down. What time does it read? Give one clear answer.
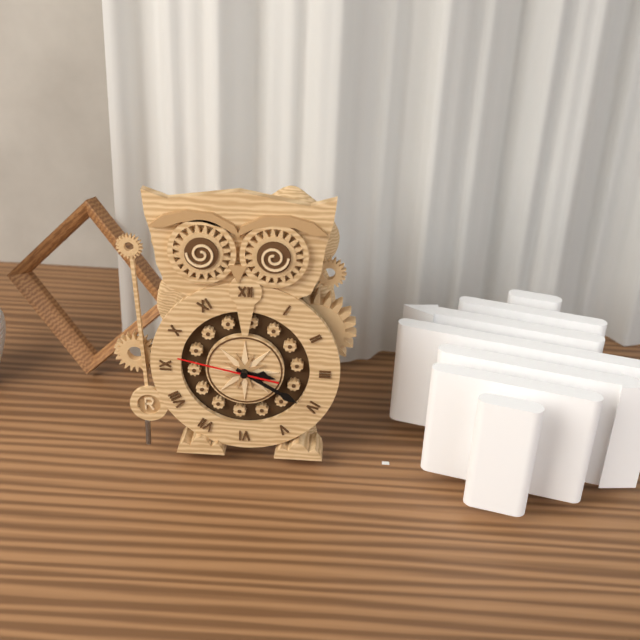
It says 3:20:47
